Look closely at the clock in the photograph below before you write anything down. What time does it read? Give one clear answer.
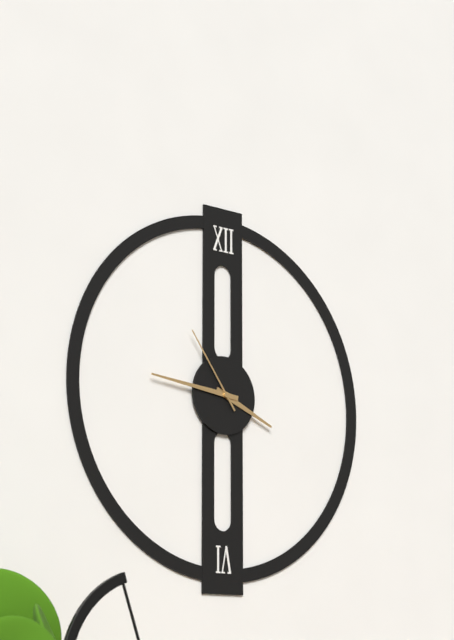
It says 3:46:54
